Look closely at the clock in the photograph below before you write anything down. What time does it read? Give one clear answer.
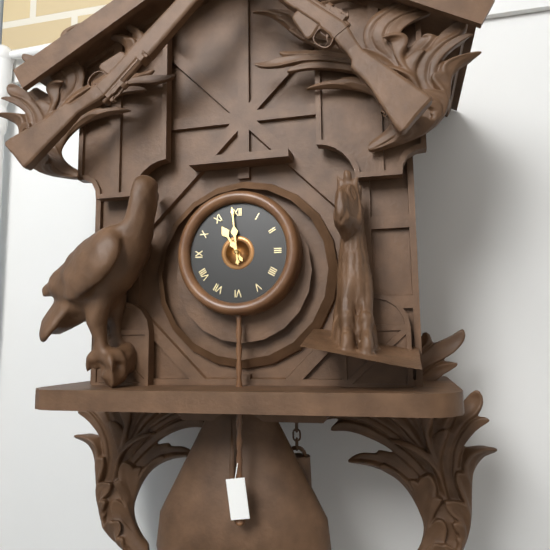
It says 10:59
